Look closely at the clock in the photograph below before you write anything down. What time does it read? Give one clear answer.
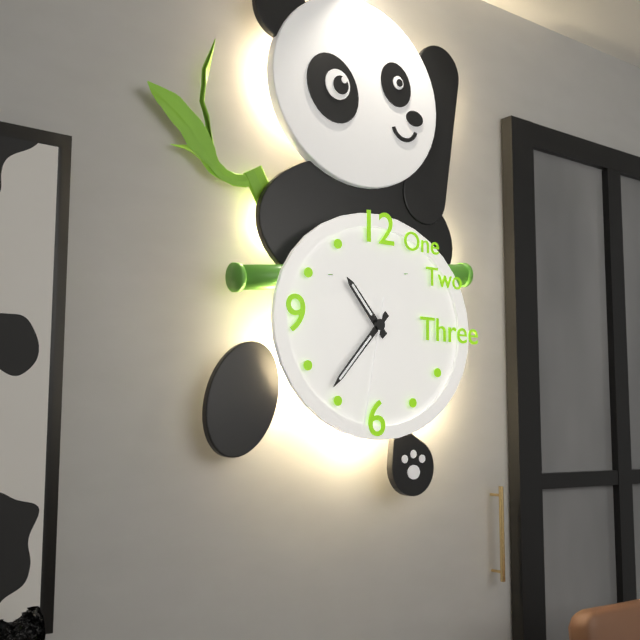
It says 10:37:32
